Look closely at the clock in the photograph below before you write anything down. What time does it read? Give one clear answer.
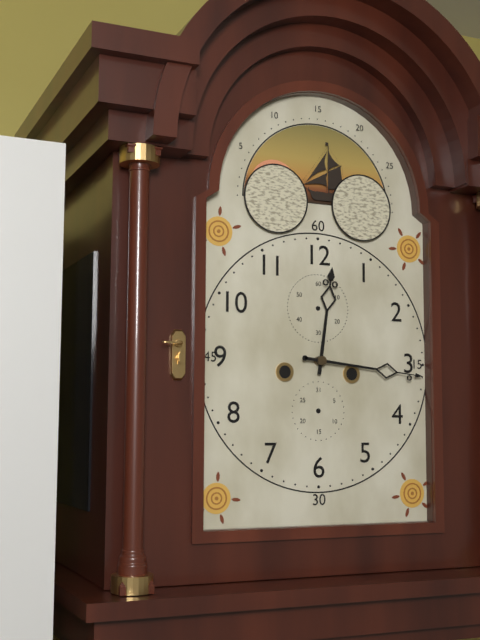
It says 12:16
